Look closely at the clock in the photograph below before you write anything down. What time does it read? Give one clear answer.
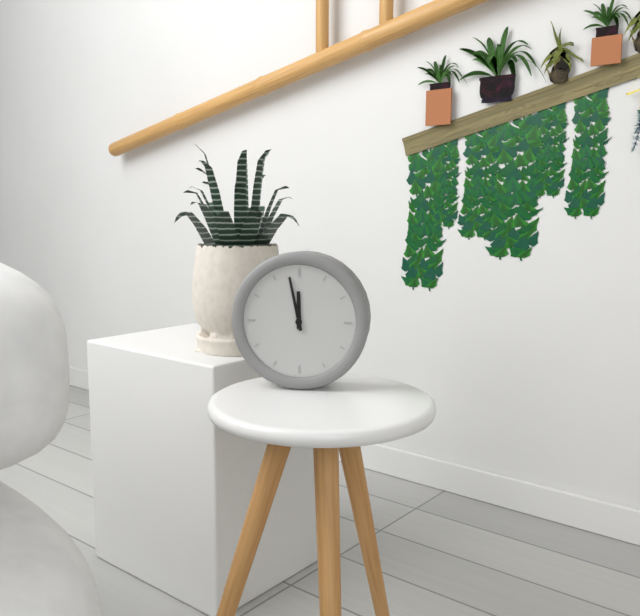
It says 11:58
